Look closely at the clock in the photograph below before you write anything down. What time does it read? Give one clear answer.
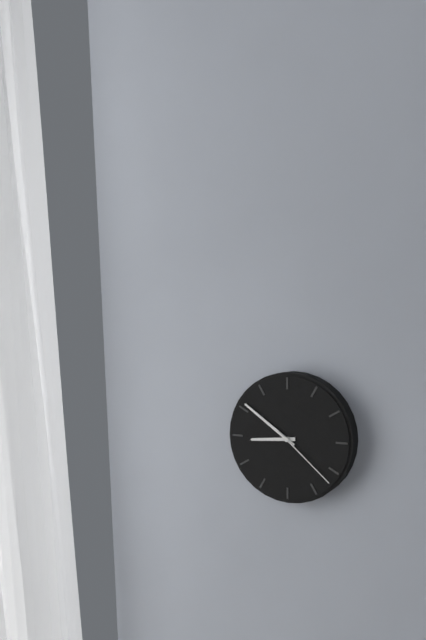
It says 8:51:22
